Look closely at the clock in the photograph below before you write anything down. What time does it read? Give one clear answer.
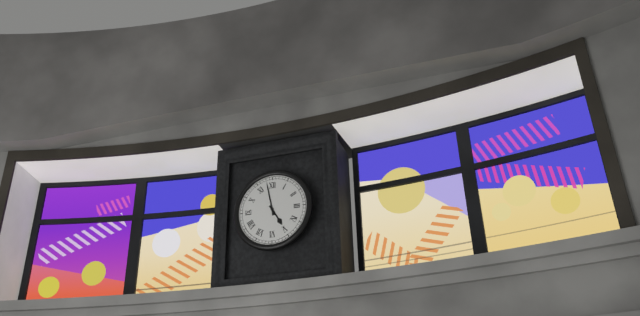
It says 4:58
